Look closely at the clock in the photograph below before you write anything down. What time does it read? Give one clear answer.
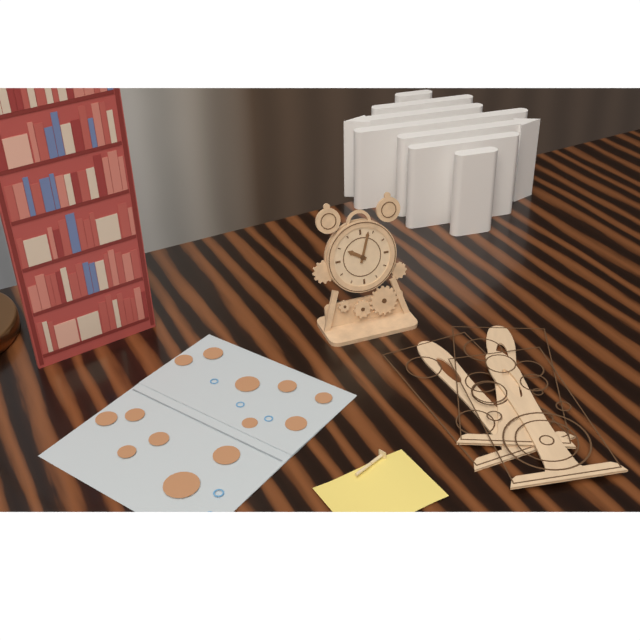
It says 10:03
